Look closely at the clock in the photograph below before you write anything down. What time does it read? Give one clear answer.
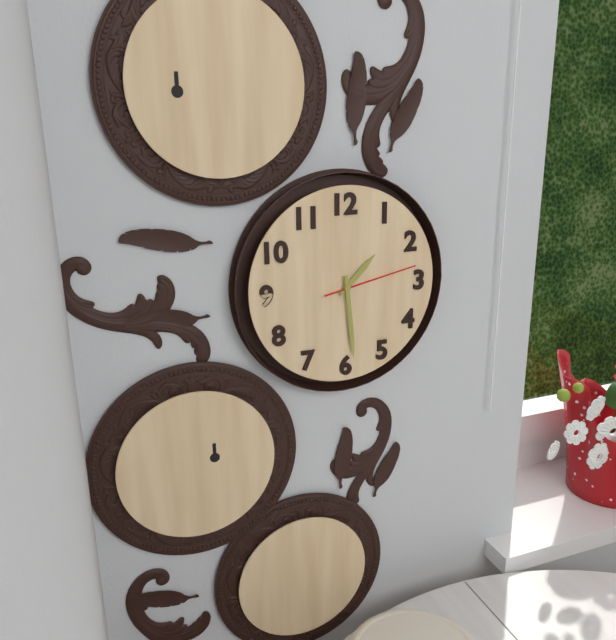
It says 1:29:13
